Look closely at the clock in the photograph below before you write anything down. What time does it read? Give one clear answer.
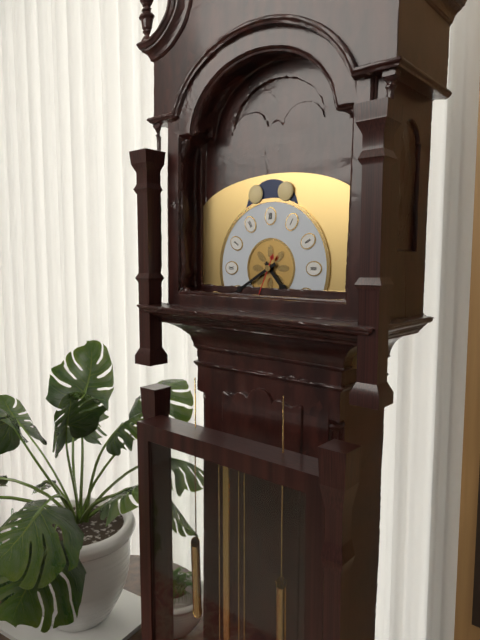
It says 4:40
